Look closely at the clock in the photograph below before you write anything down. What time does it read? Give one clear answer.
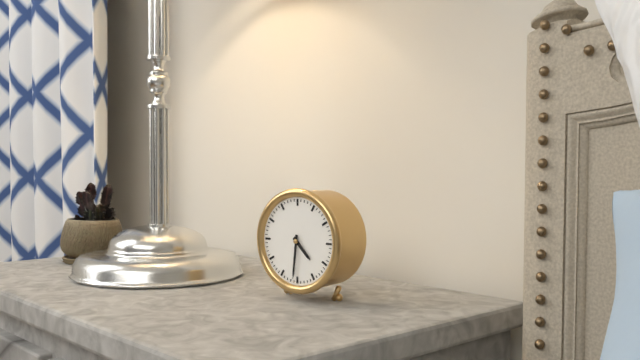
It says 4:31
